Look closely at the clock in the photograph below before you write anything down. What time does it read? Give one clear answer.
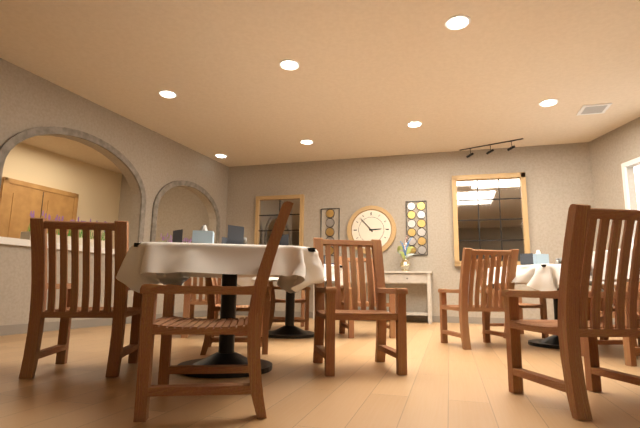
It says 2:53
